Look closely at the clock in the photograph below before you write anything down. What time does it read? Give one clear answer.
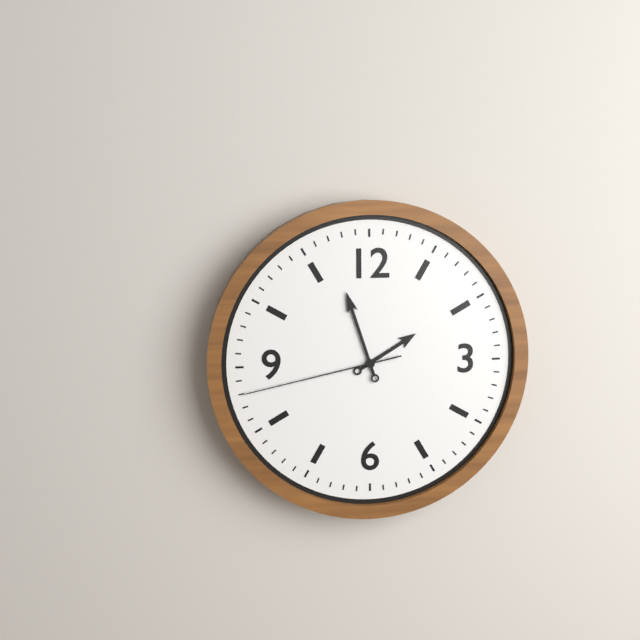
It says 1:57:43
